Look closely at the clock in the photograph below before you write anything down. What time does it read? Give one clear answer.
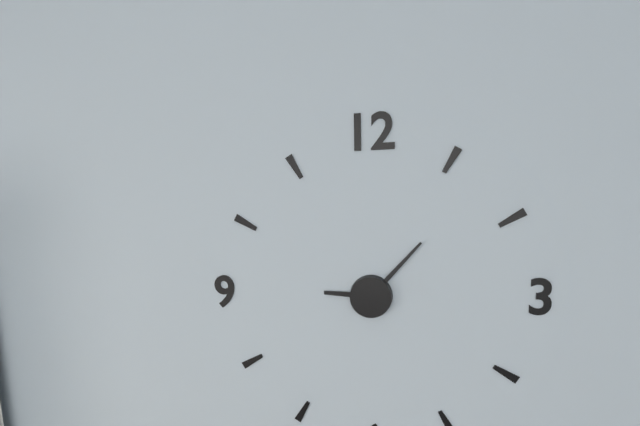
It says 9:07
